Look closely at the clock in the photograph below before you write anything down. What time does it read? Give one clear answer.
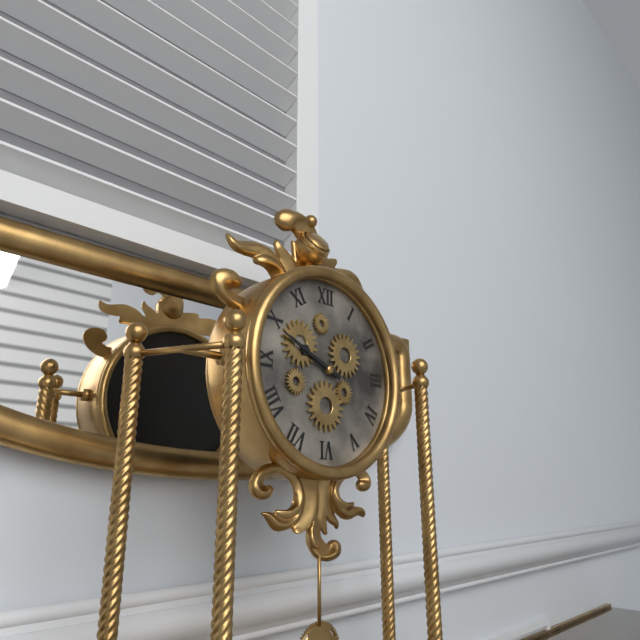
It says 9:49
